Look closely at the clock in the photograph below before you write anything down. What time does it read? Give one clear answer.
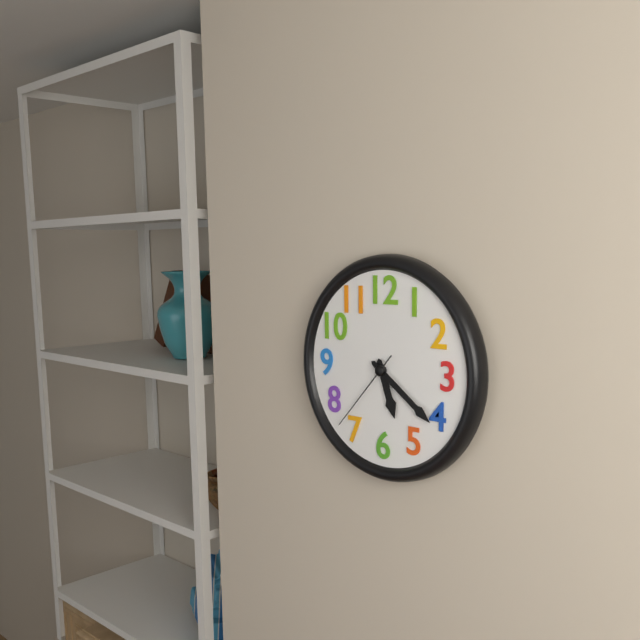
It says 5:21:37
